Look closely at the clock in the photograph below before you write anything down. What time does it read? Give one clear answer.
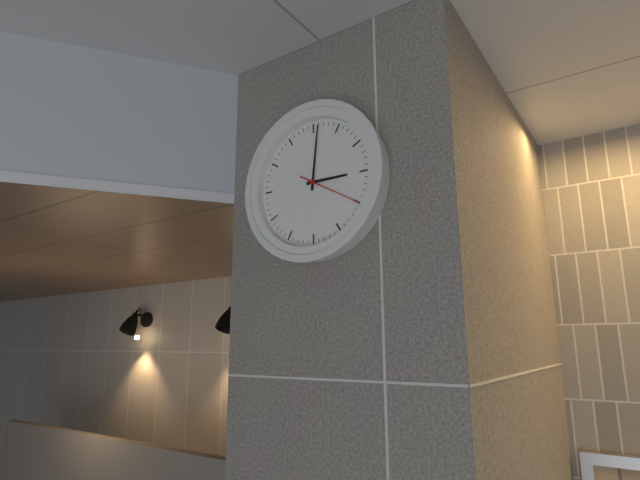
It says 3:01:20
